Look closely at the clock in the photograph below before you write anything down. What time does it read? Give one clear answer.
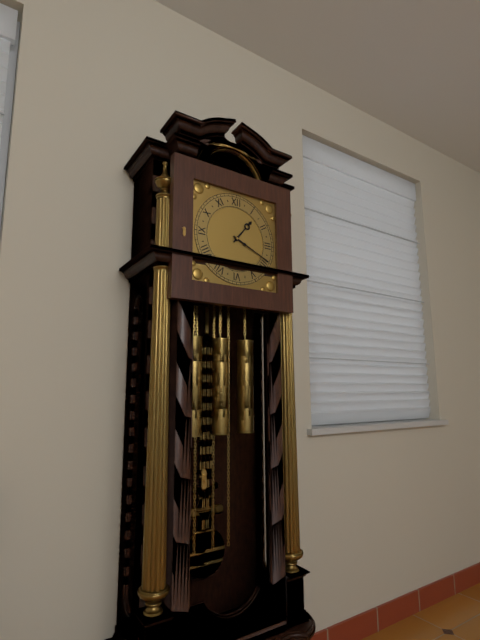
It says 1:19
